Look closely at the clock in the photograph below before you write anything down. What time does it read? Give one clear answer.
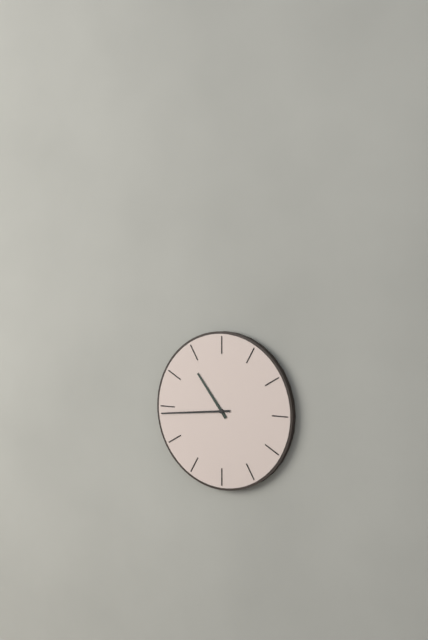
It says 10:44
